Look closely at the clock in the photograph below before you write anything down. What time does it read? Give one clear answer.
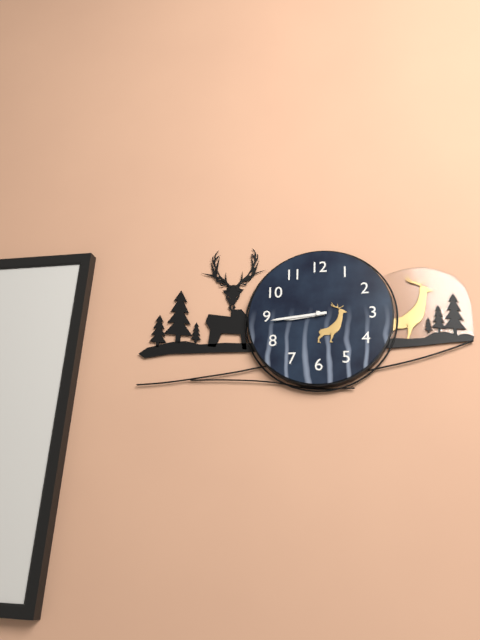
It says 8:44
